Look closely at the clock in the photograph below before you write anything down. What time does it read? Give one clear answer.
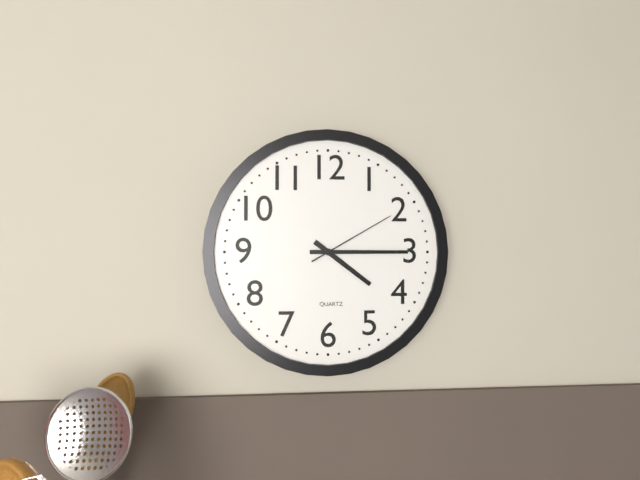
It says 4:15:10
